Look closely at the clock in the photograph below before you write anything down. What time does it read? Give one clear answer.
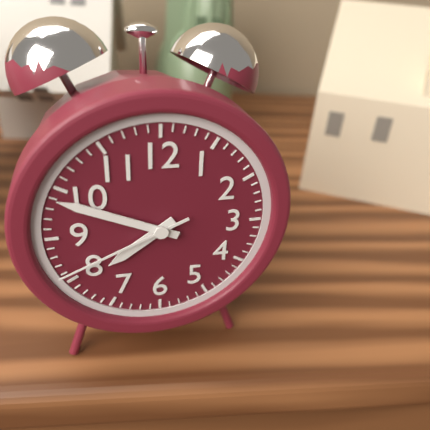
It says 7:49:41
